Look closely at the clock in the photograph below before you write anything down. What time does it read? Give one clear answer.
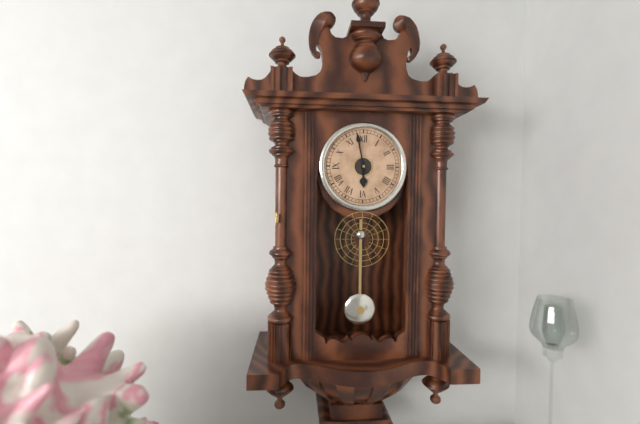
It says 5:58
